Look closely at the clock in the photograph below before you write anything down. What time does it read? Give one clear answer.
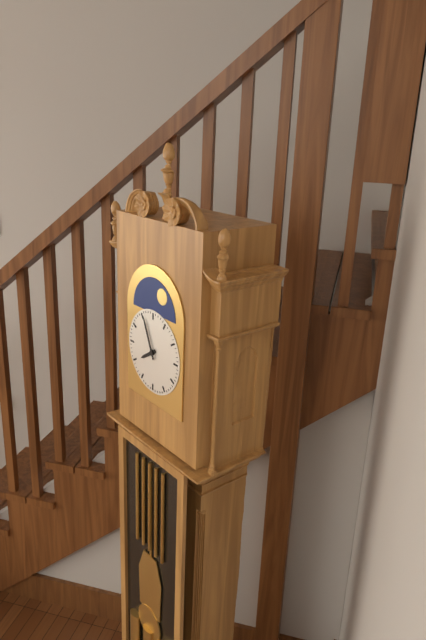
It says 7:56
